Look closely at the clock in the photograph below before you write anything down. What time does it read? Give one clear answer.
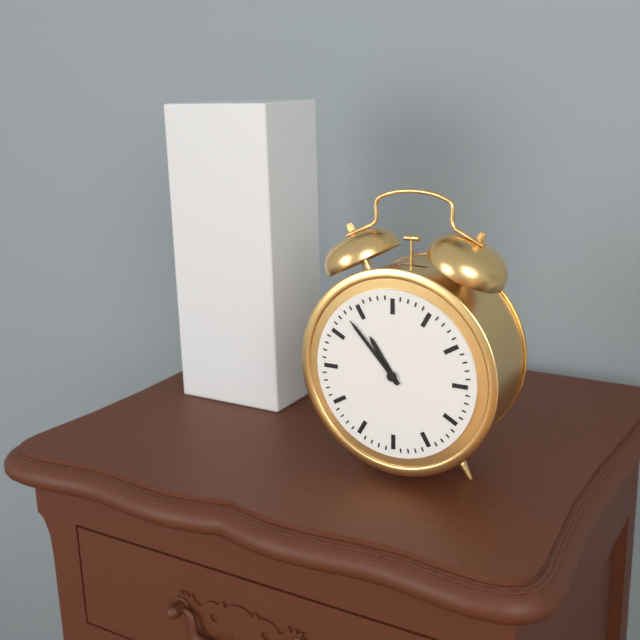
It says 10:53
